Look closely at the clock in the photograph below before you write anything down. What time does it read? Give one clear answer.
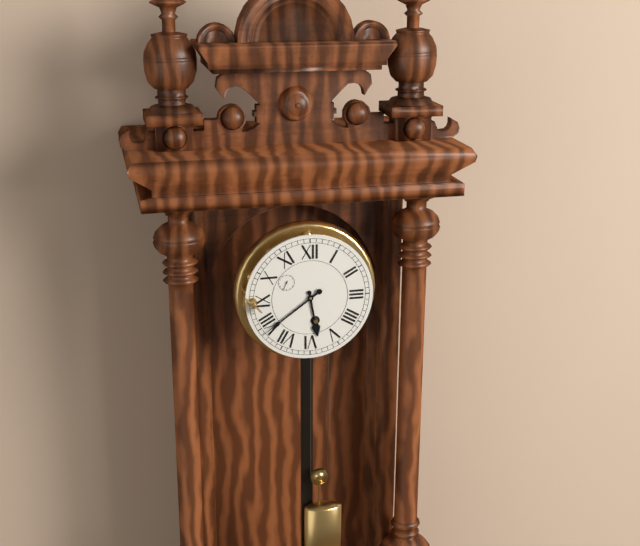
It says 5:39
